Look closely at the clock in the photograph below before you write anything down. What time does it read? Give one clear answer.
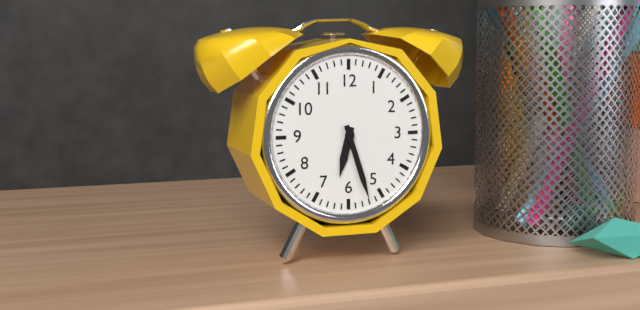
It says 6:27
